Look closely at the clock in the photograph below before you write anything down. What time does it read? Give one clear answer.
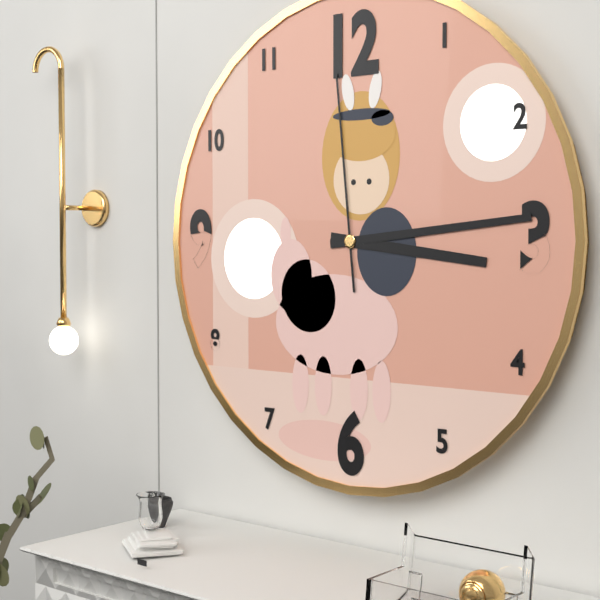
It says 3:14:59
